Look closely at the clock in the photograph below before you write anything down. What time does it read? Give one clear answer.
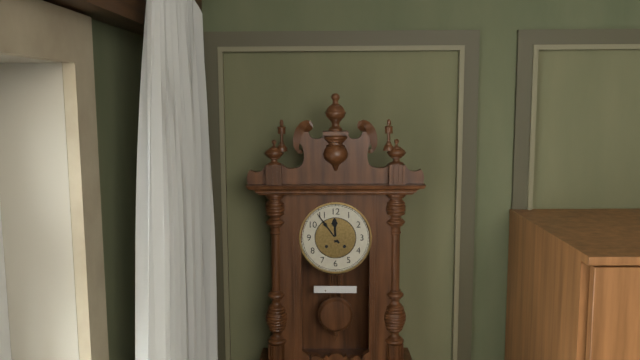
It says 11:54
